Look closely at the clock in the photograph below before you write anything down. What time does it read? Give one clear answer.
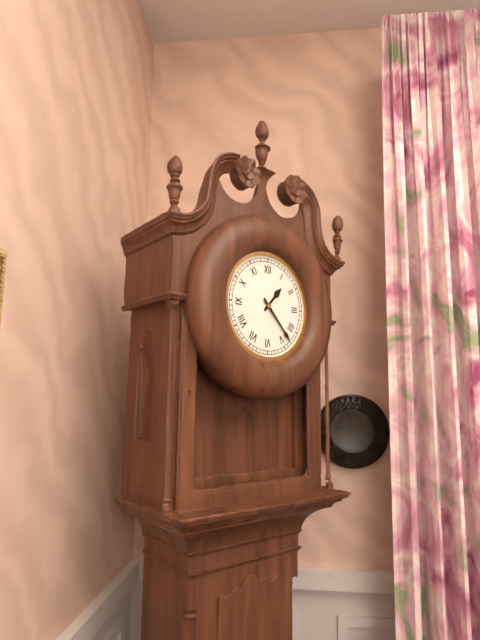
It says 1:23
